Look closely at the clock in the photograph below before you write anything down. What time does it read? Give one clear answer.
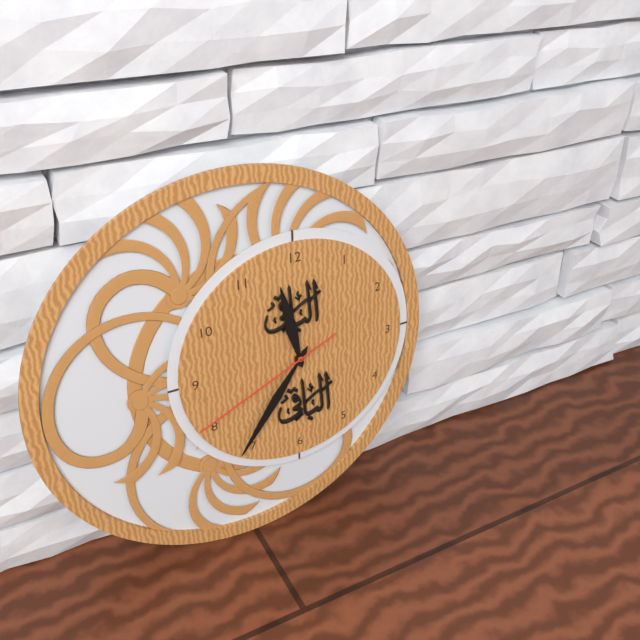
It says 11:36:41
